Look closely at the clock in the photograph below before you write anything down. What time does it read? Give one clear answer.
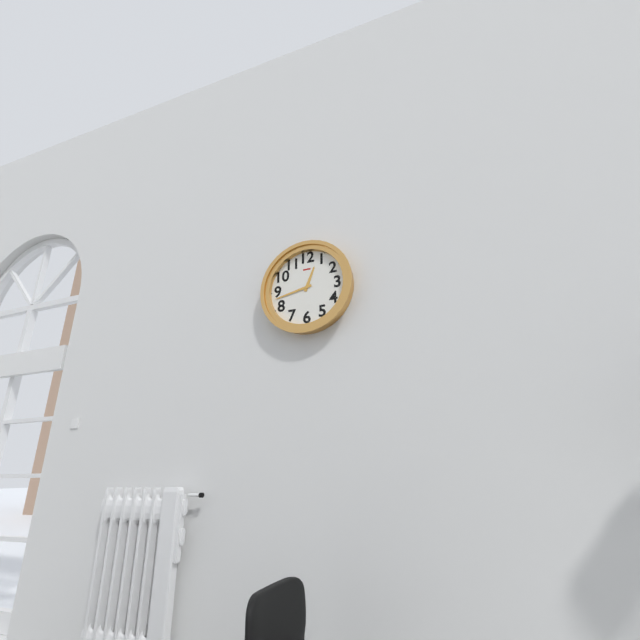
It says 12:43
